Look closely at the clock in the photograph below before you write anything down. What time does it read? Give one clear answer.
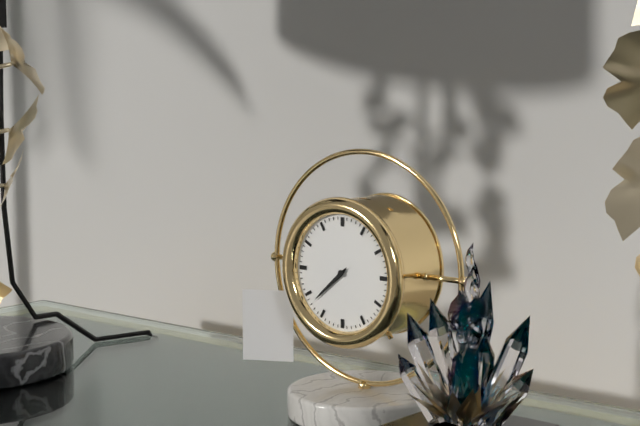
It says 7:38
